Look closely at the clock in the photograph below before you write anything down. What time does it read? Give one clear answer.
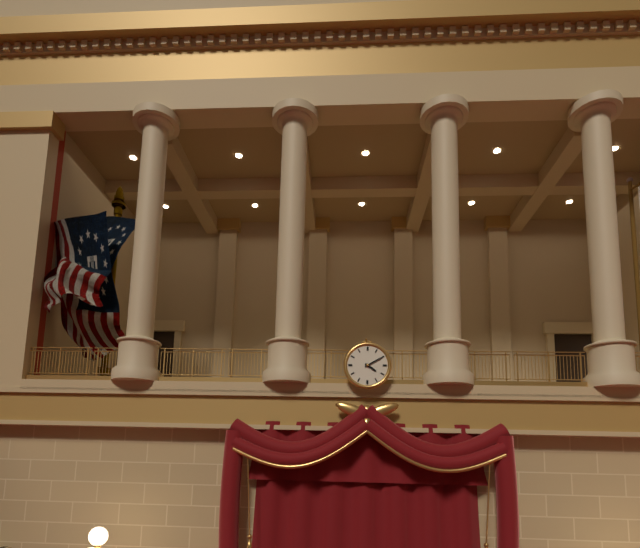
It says 4:10
